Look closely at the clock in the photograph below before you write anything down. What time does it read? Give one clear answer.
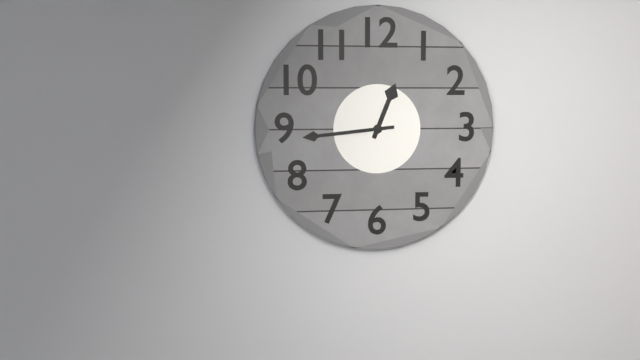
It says 12:44
